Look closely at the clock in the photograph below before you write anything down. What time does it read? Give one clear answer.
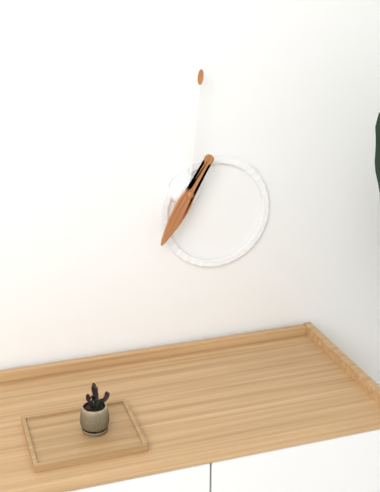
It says 7:01
